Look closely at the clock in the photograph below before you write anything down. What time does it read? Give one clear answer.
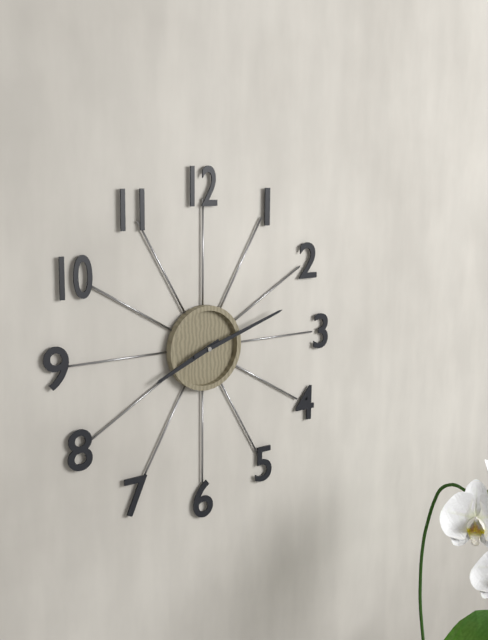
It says 8:12
